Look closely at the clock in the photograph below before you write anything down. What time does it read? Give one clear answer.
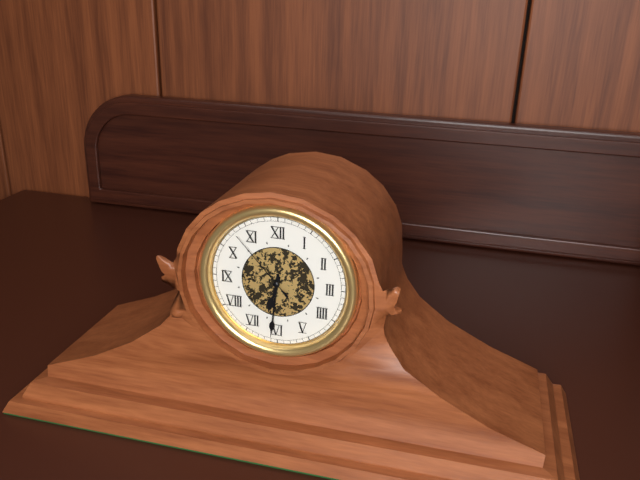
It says 6:31:53
